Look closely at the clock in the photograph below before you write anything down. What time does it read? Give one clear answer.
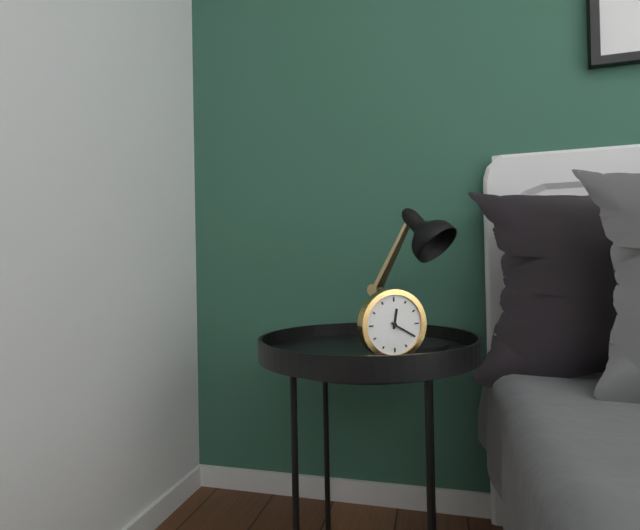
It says 12:20
